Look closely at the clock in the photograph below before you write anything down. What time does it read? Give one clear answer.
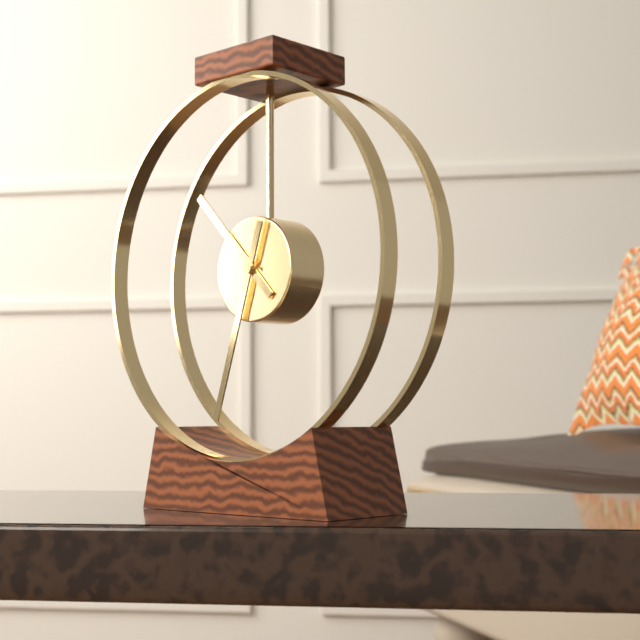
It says 10:33
